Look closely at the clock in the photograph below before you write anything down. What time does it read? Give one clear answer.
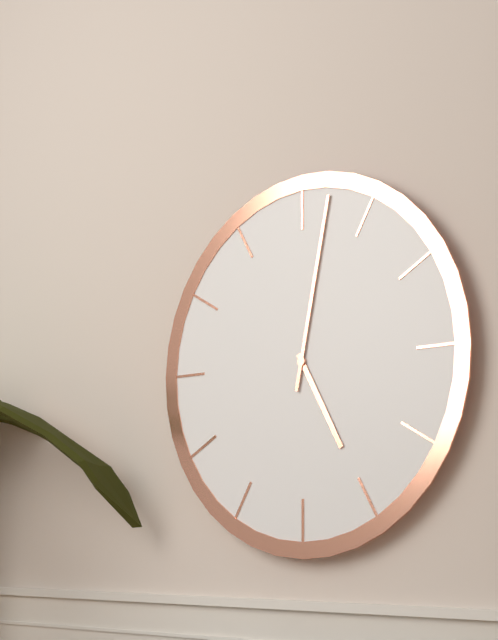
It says 5:02
